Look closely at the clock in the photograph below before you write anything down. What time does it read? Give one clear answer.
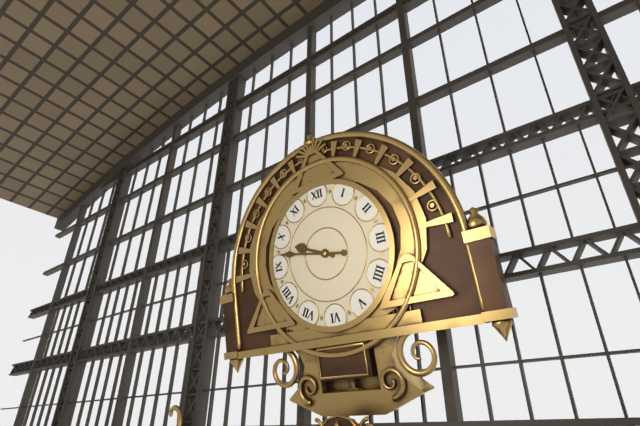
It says 9:47
